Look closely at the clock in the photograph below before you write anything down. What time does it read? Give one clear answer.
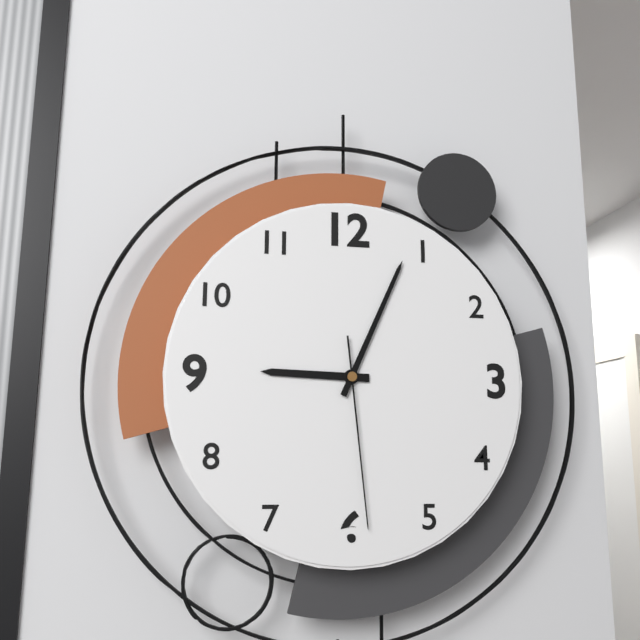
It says 9:04:29
